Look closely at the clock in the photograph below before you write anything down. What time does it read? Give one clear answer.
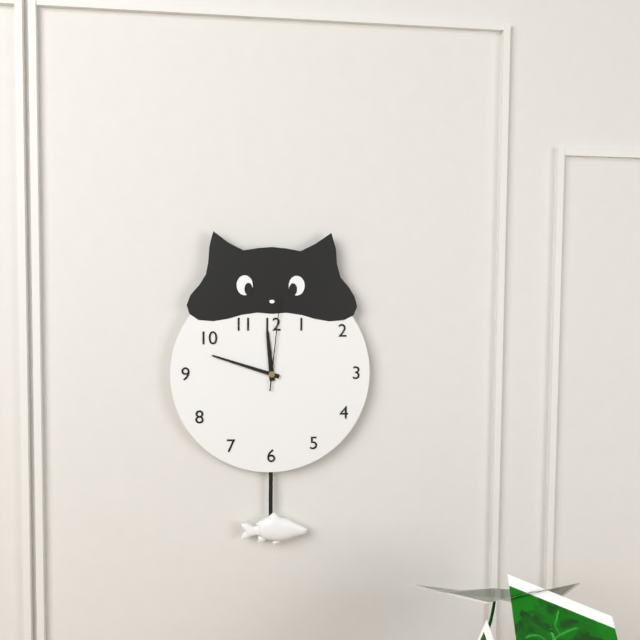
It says 11:48:01
